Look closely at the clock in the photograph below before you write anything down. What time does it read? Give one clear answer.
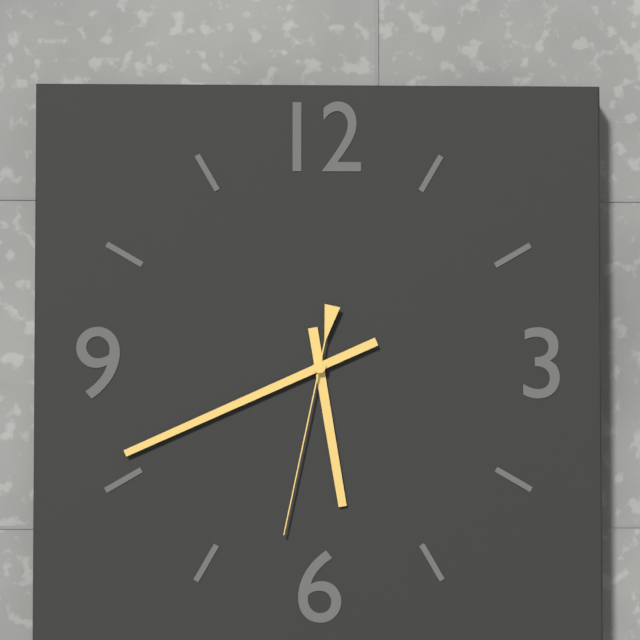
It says 5:41:32
